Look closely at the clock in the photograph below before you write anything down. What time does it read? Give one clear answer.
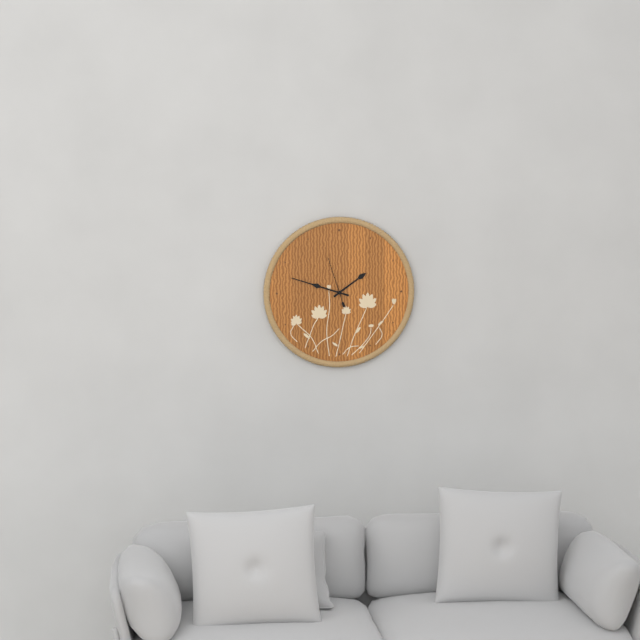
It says 1:48
